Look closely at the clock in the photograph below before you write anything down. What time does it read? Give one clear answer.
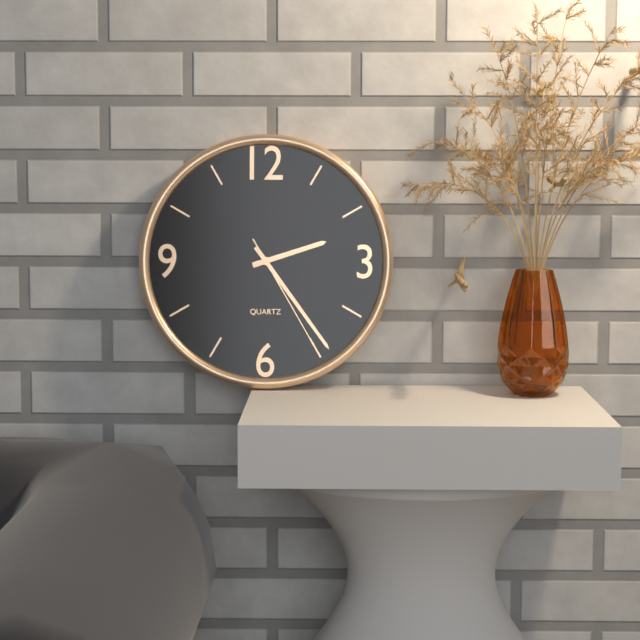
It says 2:24:25
